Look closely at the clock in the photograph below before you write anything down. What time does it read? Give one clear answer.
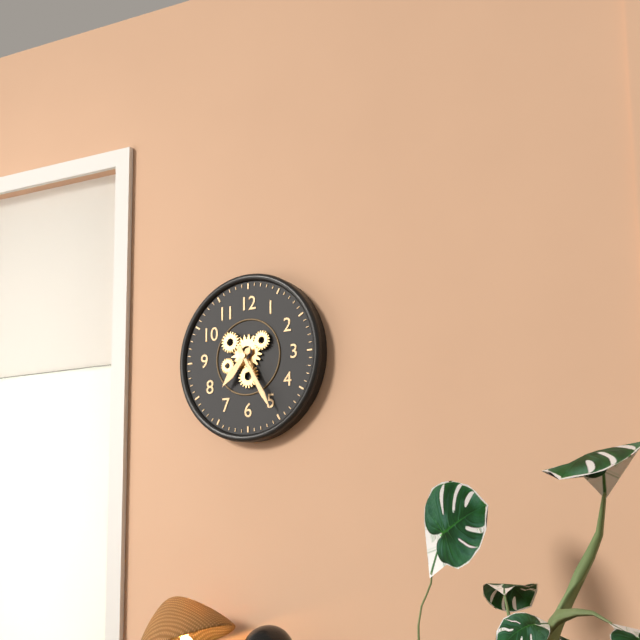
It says 7:25
